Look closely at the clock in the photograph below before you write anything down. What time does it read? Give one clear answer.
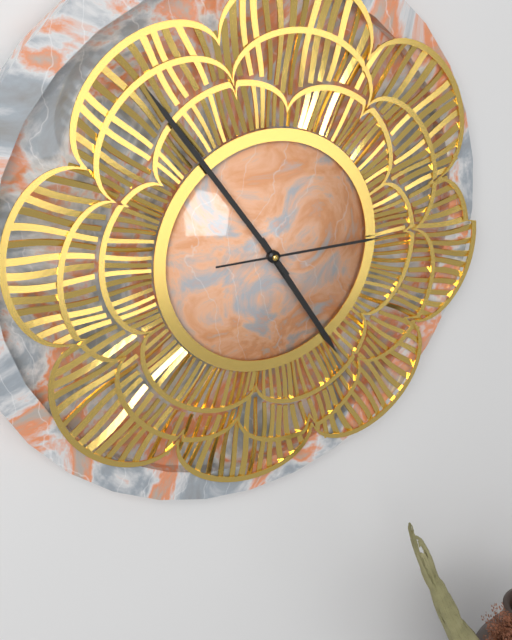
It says 4:54:15
